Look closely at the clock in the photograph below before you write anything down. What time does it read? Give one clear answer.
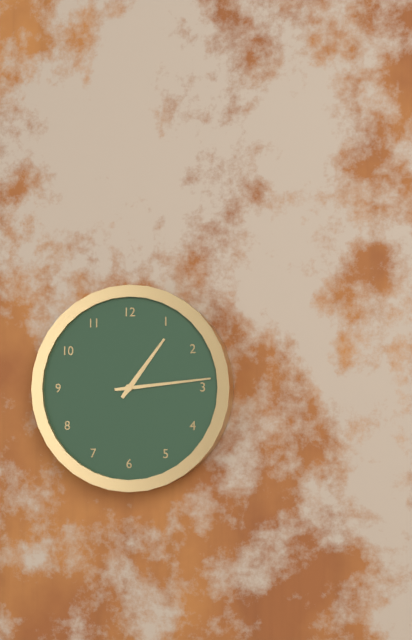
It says 1:14
